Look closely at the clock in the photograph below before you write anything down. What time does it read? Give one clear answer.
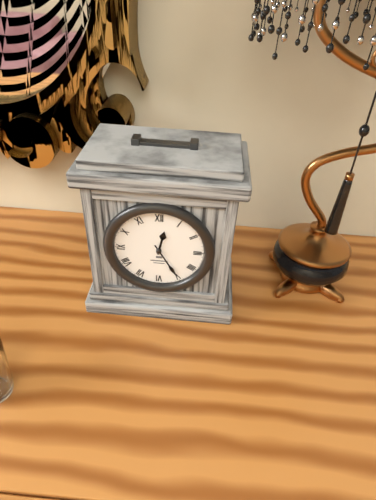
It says 12:25
